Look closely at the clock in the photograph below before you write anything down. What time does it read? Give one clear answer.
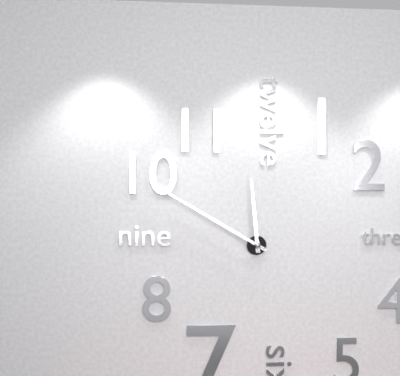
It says 11:50
